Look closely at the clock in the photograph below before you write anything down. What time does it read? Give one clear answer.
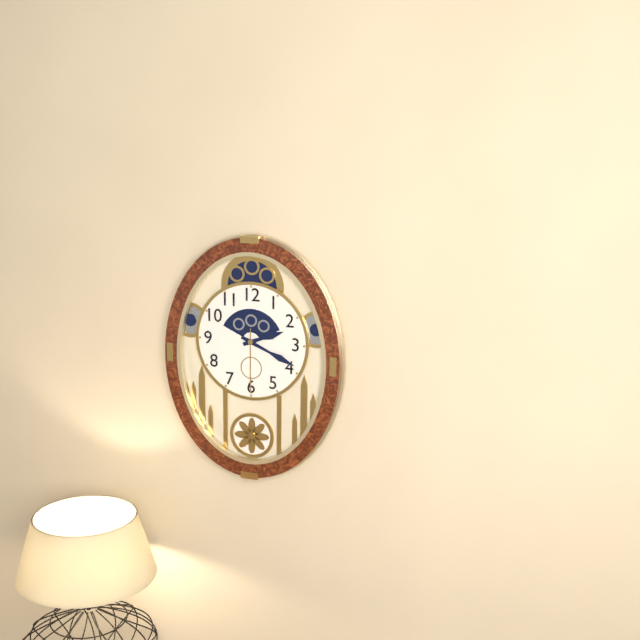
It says 2:19:30
